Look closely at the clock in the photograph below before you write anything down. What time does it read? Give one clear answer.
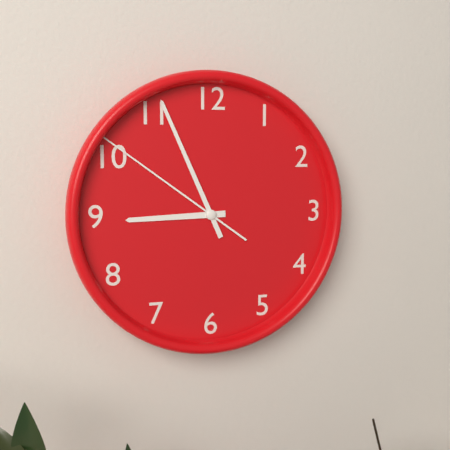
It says 8:56:51
